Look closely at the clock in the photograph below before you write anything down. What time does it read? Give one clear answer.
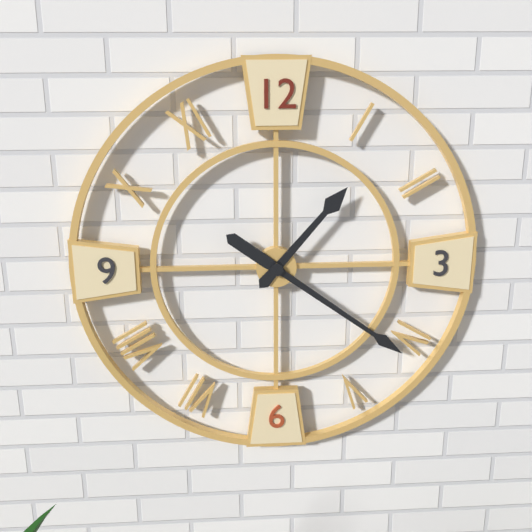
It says 1:21
